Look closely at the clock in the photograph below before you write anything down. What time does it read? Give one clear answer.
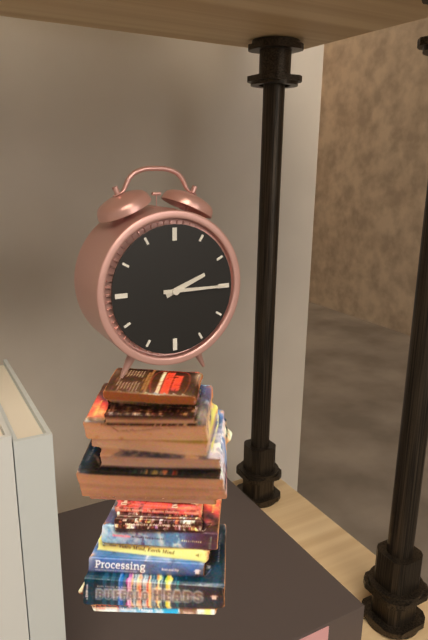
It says 2:15
